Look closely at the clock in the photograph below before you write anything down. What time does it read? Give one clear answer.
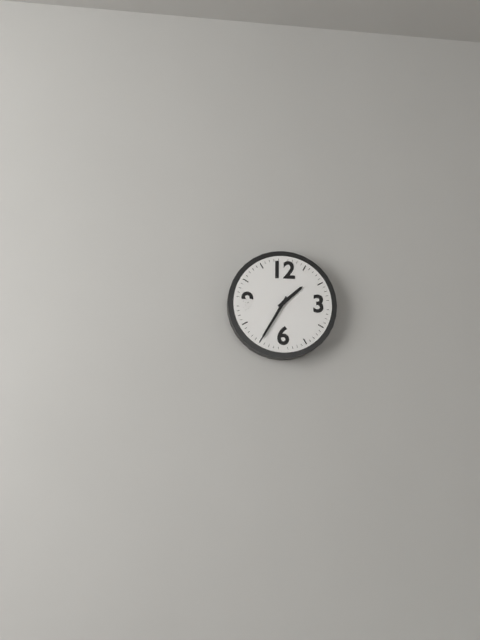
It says 1:35
